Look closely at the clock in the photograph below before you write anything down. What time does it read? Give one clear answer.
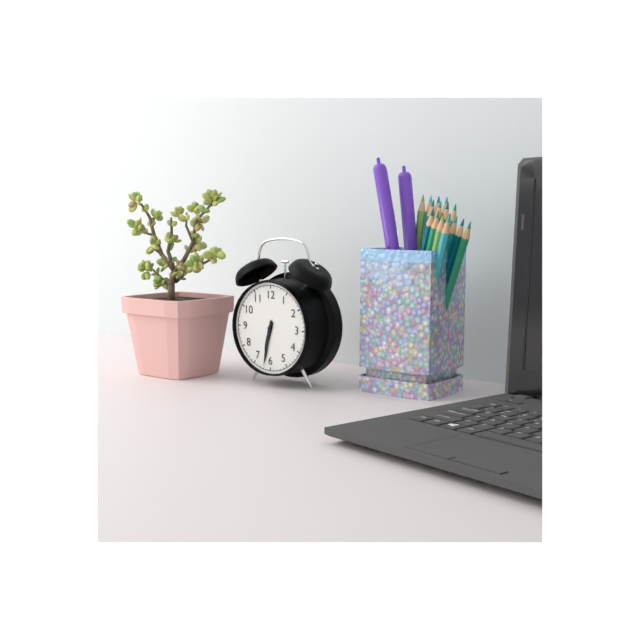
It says 6:32
